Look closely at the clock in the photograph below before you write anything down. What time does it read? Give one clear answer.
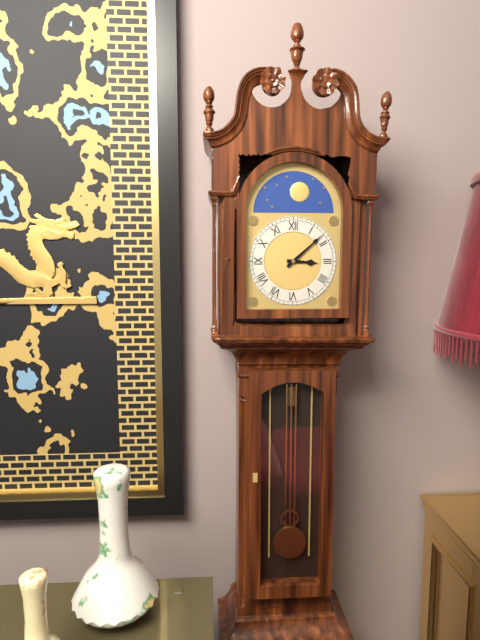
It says 3:08
